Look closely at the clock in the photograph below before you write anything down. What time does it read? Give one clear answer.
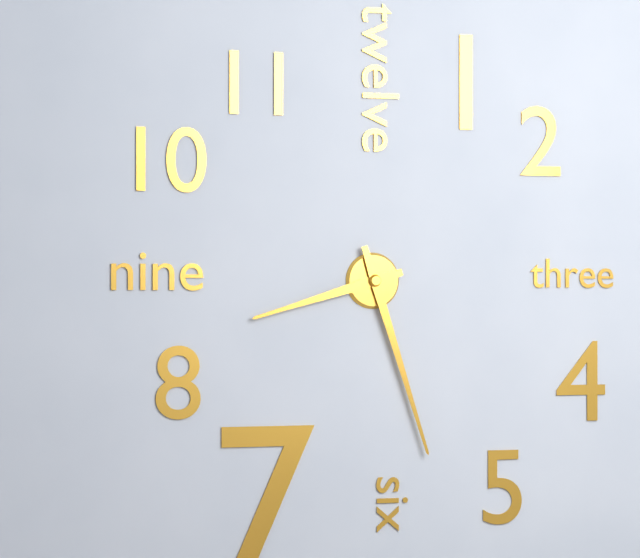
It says 8:27
